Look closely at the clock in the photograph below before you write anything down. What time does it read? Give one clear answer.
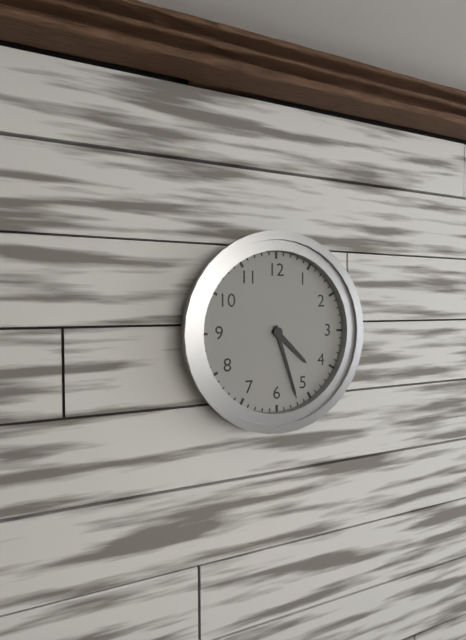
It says 4:27
